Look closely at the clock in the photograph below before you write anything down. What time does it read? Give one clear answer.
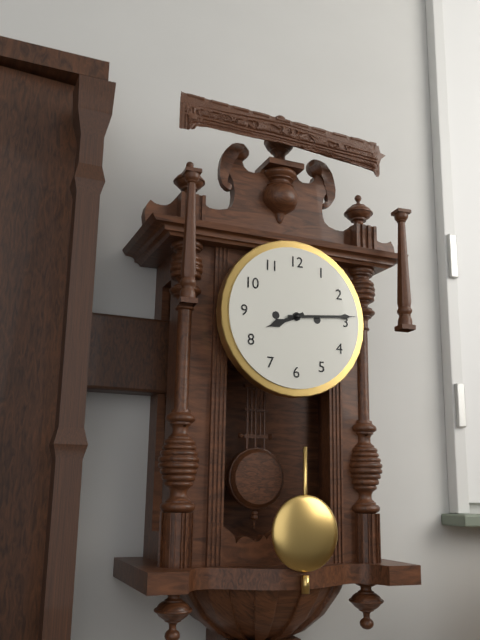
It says 8:14
